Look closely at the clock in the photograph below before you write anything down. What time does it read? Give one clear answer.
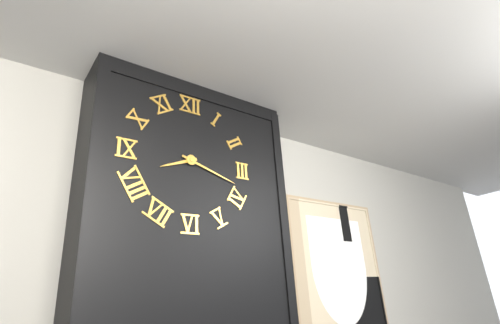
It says 8:18
